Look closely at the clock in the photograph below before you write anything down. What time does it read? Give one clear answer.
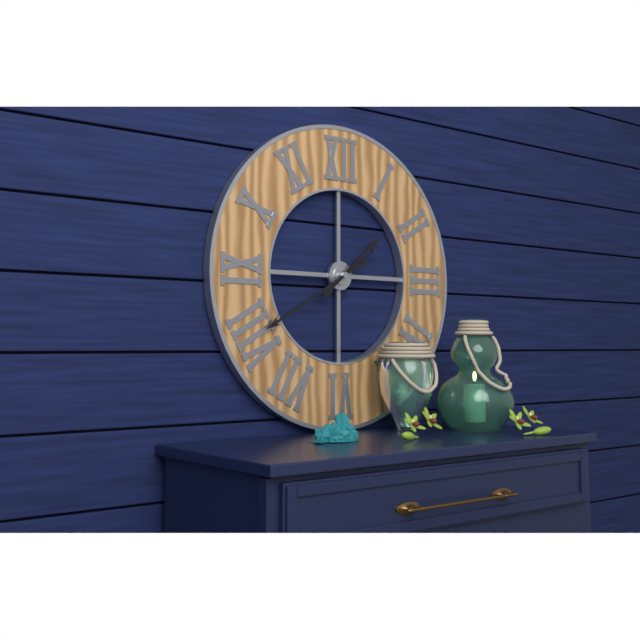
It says 1:40
